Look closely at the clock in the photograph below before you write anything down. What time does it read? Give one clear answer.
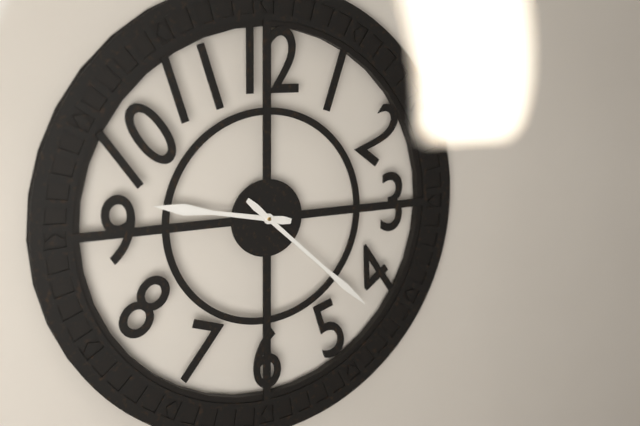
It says 9:22
